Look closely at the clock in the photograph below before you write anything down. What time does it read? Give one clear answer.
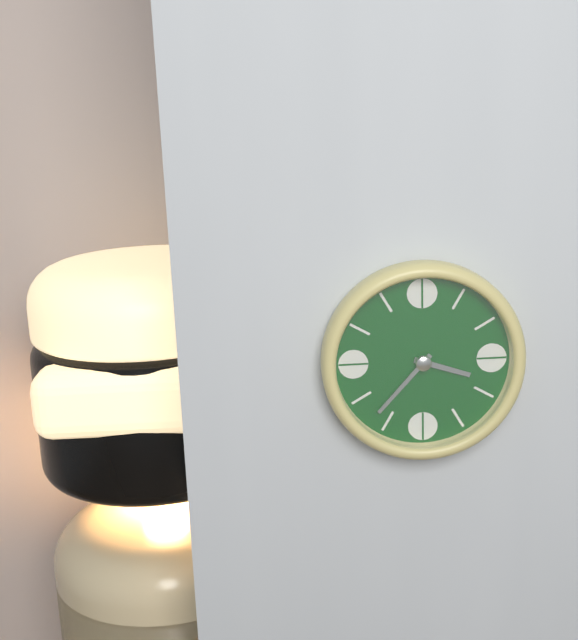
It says 3:37
